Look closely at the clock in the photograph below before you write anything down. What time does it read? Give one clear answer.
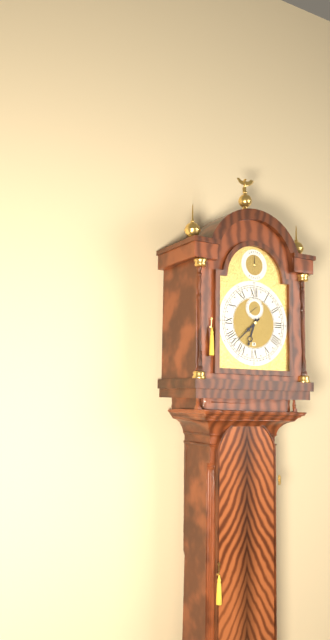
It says 6:38
